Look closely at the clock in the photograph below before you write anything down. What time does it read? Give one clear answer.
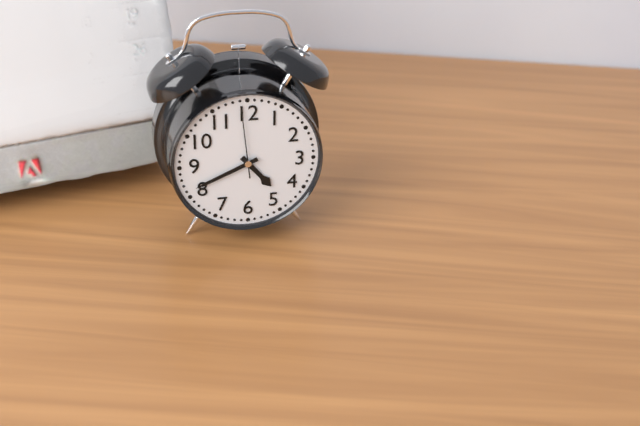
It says 4:41:59
